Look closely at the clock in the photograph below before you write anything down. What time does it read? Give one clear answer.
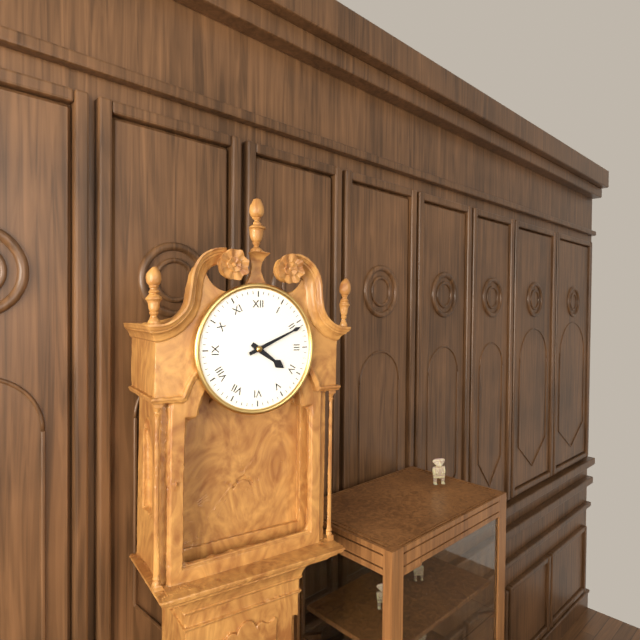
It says 4:11
